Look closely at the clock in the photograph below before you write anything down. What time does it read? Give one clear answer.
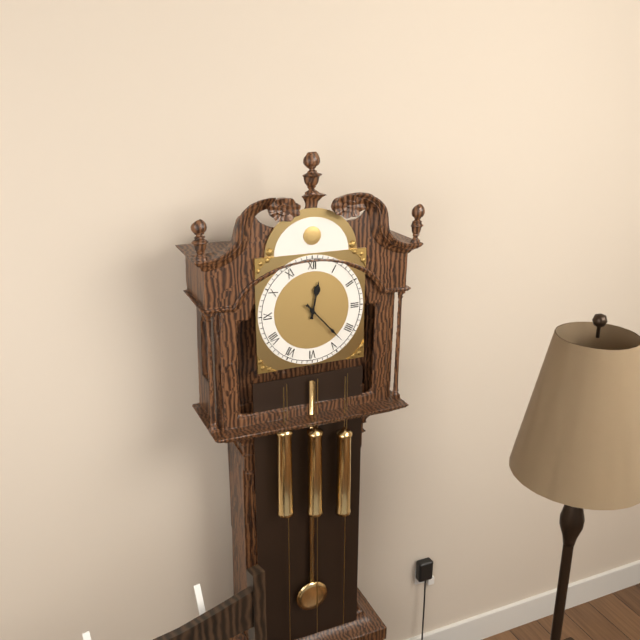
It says 12:23
